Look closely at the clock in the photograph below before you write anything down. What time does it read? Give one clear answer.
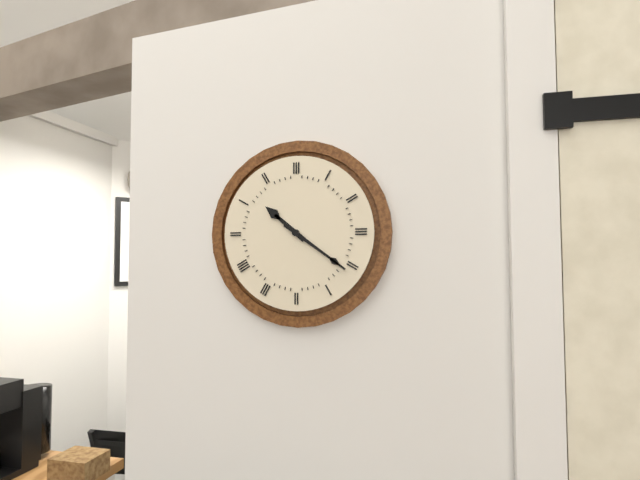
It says 10:21
